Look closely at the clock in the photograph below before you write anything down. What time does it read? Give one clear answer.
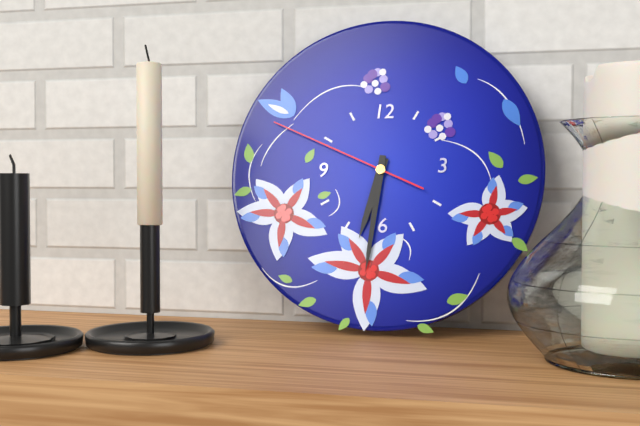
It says 6:31:49
